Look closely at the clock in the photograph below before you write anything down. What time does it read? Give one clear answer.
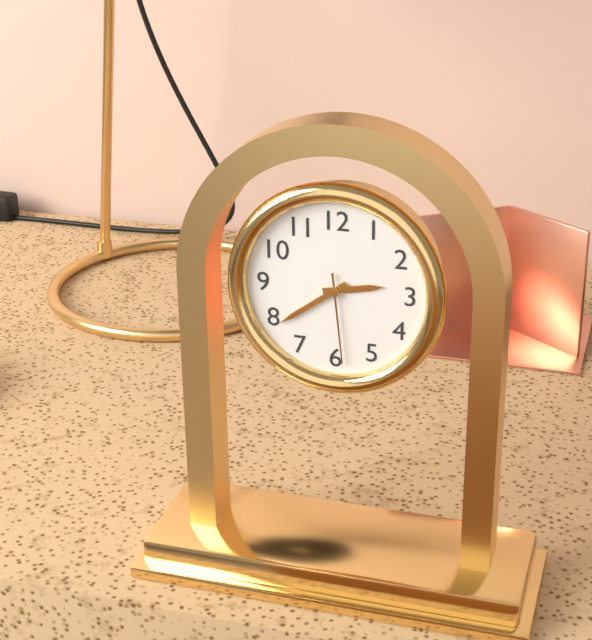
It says 2:39:29
